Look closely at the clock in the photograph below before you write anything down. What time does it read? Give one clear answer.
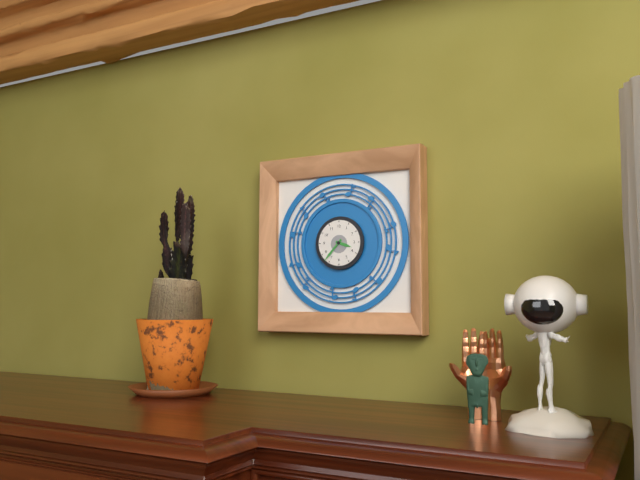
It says 3:37
